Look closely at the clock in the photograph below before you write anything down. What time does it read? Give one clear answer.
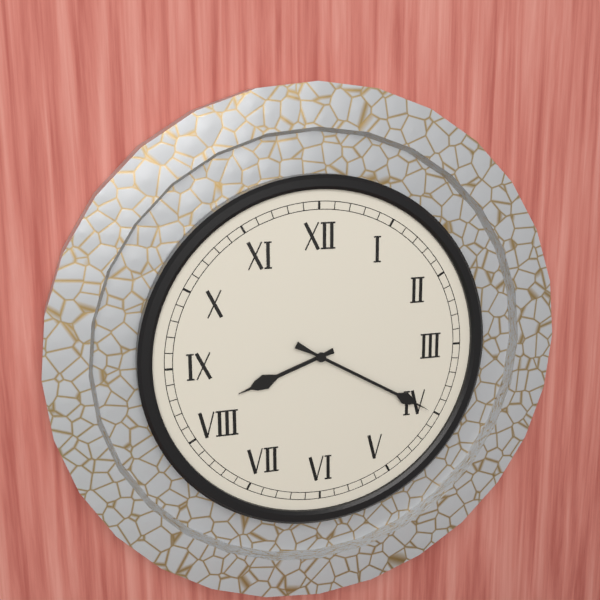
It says 8:20
